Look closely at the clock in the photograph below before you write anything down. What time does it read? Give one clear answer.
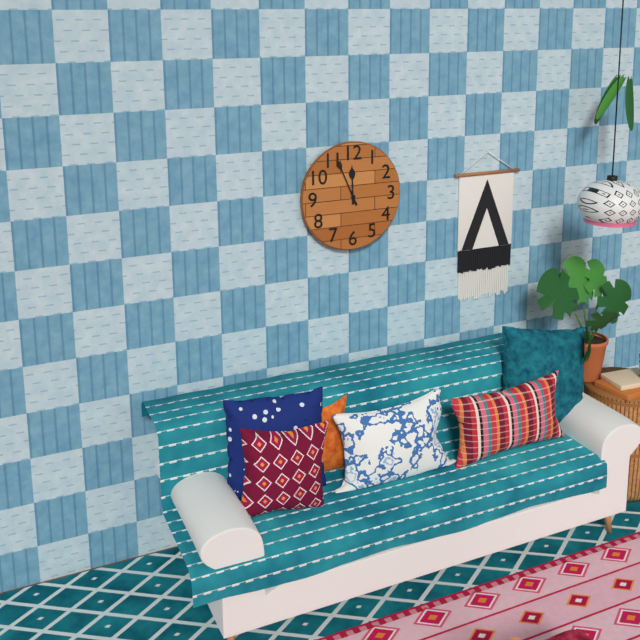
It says 11:56
